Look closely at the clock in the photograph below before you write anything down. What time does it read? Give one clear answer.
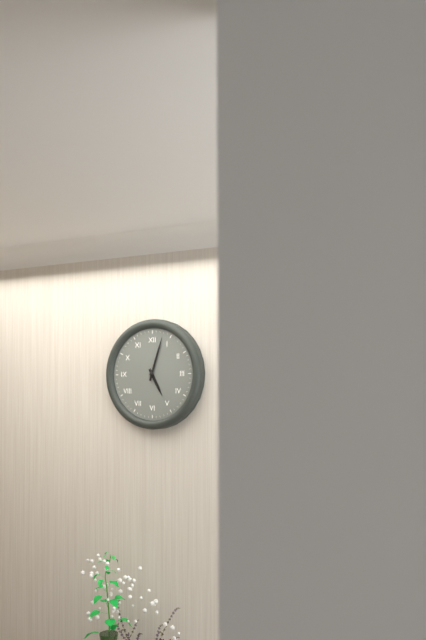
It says 5:03
